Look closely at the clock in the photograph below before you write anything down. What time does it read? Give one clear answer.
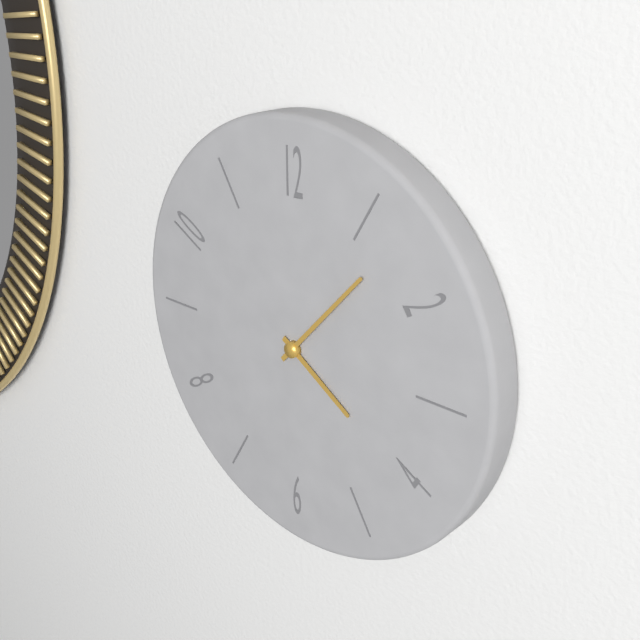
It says 4:07
